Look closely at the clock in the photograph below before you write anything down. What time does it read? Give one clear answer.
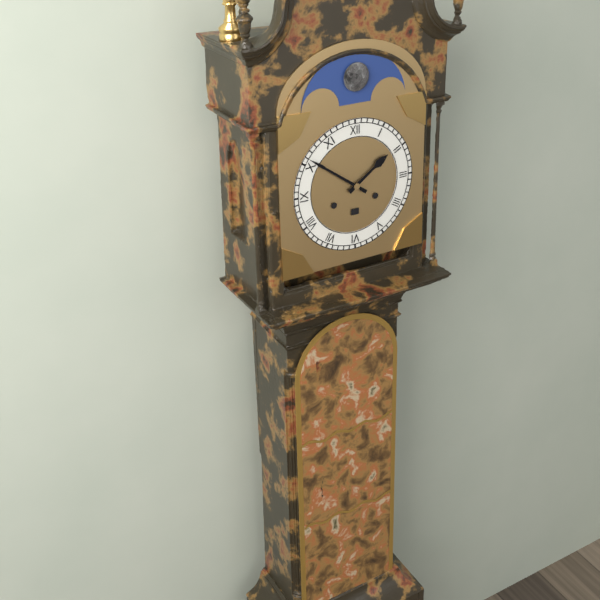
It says 1:51
